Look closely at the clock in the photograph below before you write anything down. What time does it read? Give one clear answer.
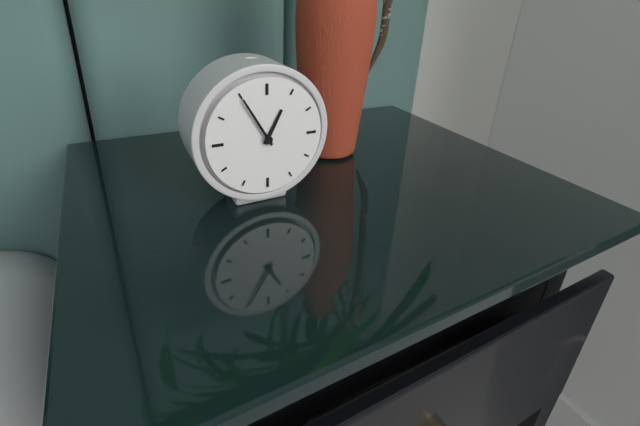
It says 12:55
